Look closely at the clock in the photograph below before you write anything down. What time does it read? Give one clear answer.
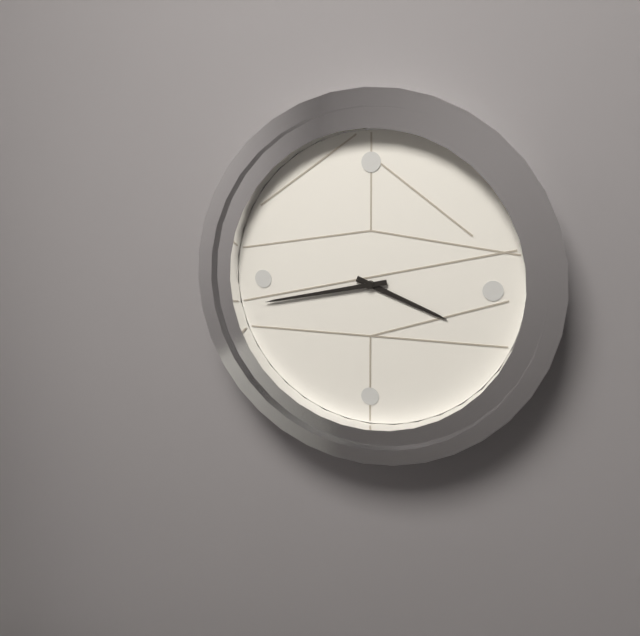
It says 3:43
